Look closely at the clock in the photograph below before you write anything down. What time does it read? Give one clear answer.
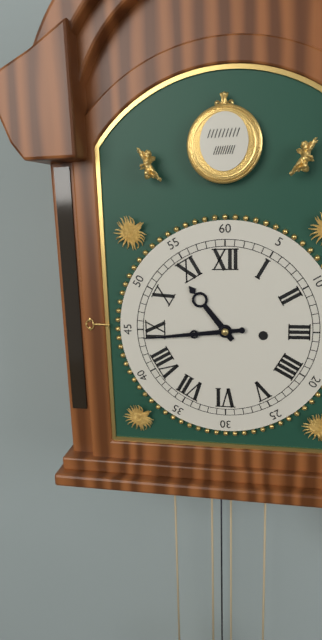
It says 10:44
